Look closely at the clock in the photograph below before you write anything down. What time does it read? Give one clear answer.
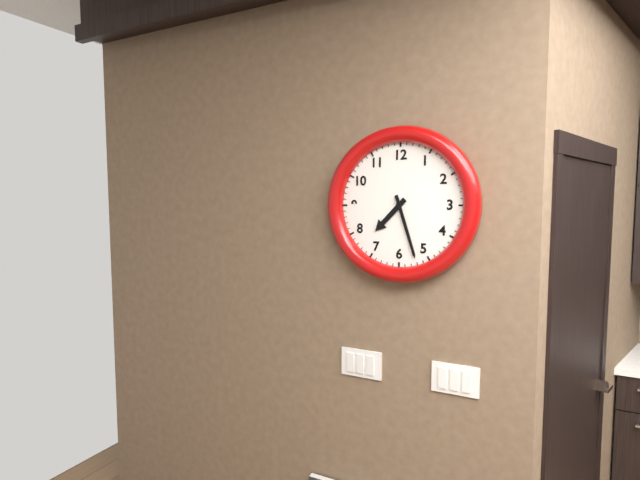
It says 7:27
